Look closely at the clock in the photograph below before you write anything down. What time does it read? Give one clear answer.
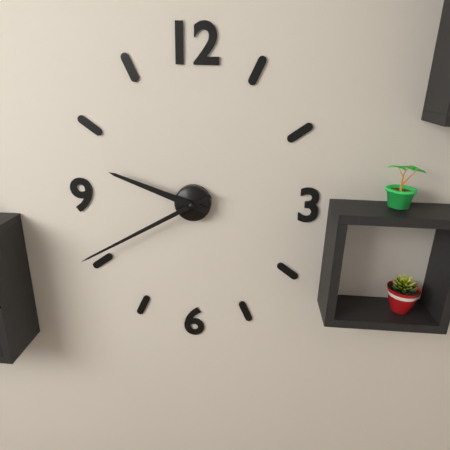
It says 9:40
